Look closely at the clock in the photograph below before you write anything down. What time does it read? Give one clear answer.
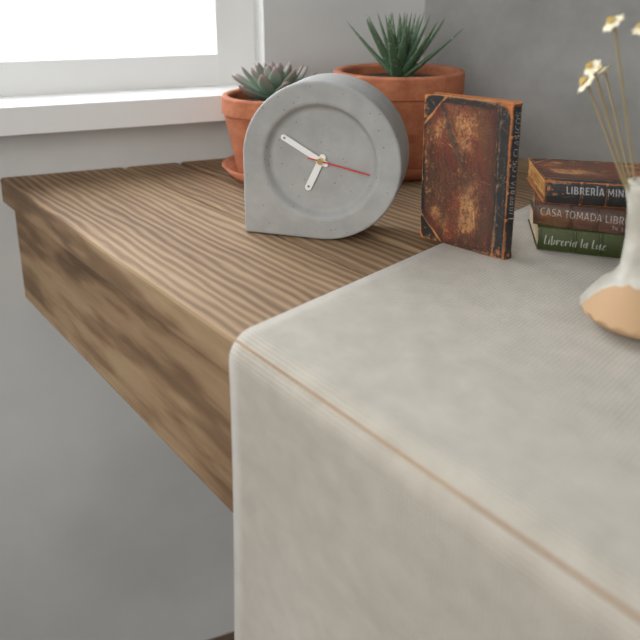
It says 6:50:17
